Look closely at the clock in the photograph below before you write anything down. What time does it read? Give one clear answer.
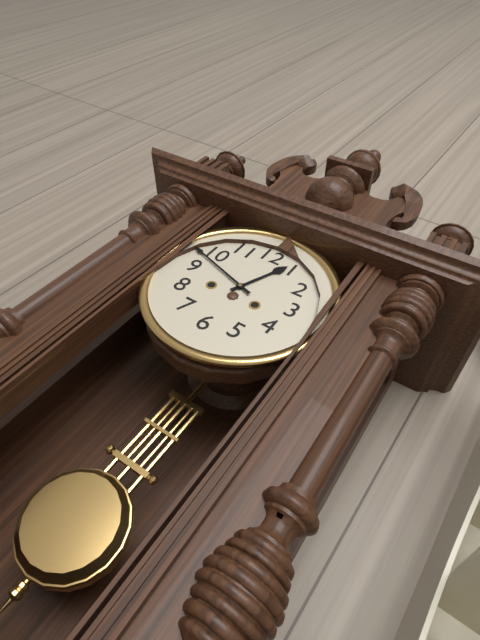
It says 12:48
